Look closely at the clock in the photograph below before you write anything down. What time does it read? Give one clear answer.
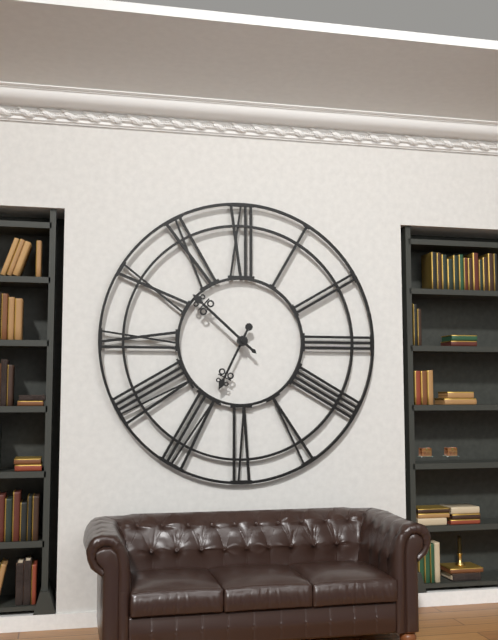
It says 6:52
